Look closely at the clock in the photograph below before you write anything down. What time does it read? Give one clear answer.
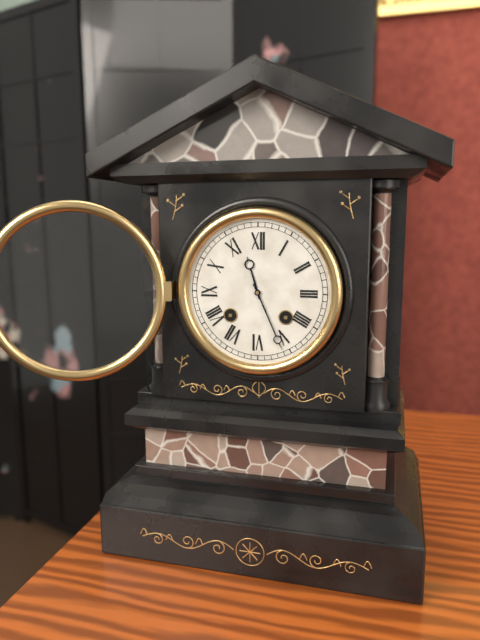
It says 11:26
